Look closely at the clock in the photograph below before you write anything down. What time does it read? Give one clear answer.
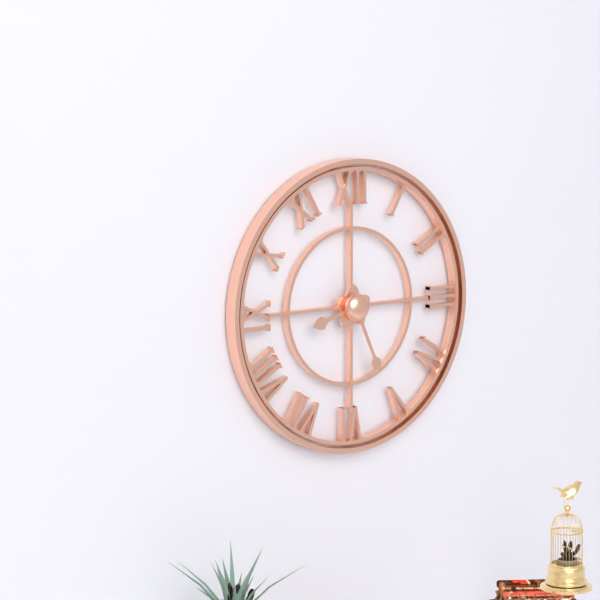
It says 8:26
